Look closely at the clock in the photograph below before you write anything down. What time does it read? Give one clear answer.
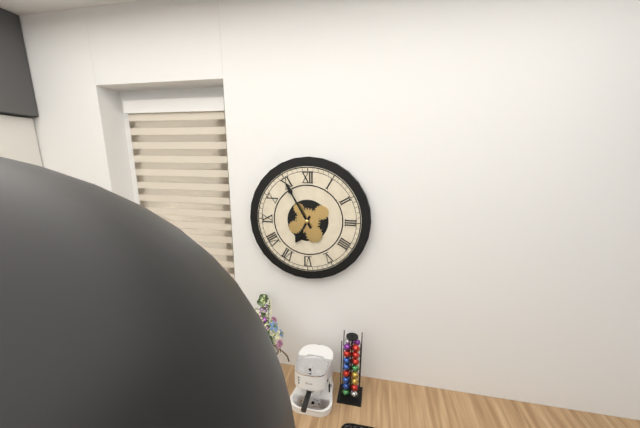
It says 6:55
